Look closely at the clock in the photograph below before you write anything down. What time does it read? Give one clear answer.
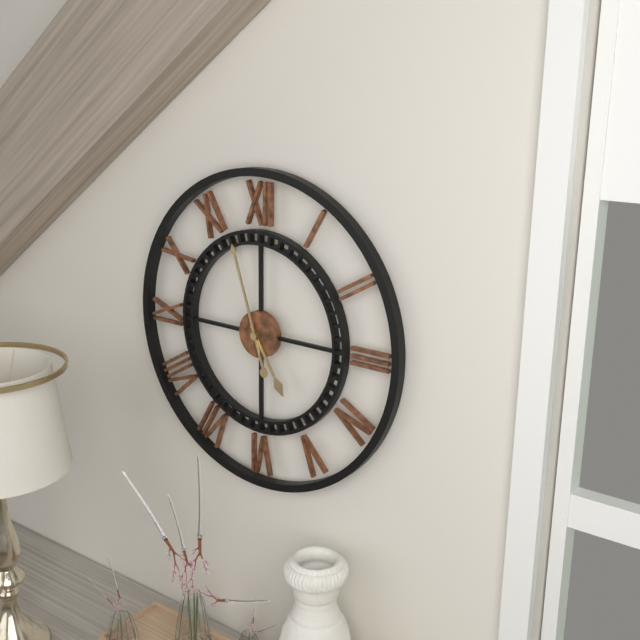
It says 4:57
